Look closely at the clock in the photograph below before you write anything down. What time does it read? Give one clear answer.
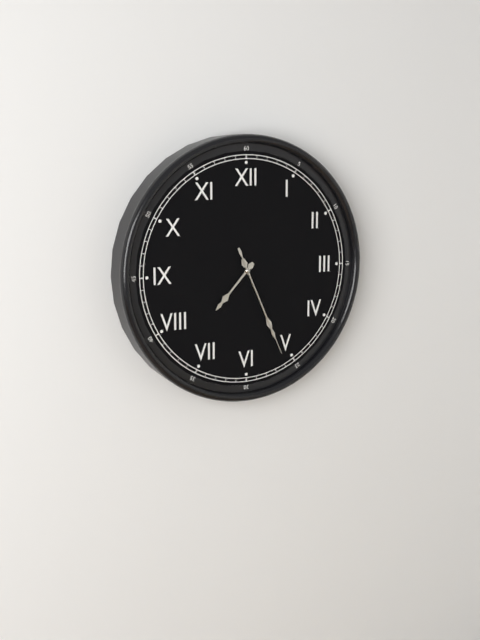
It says 7:26:26
